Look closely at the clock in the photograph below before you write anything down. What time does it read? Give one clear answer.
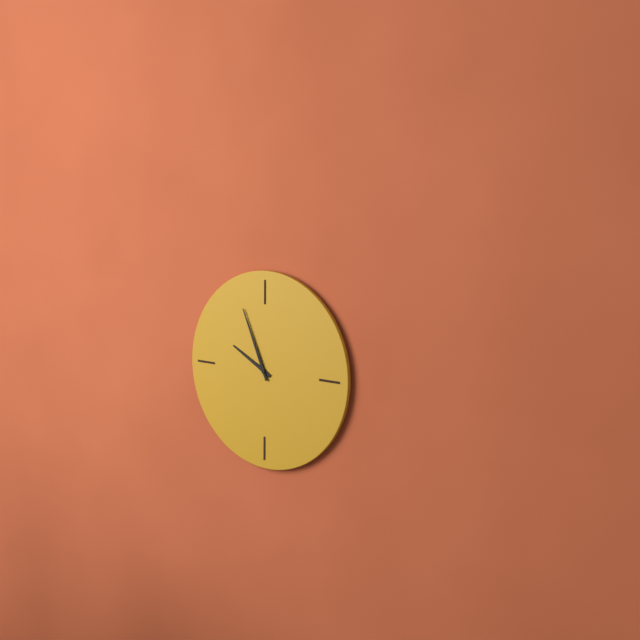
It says 9:56
